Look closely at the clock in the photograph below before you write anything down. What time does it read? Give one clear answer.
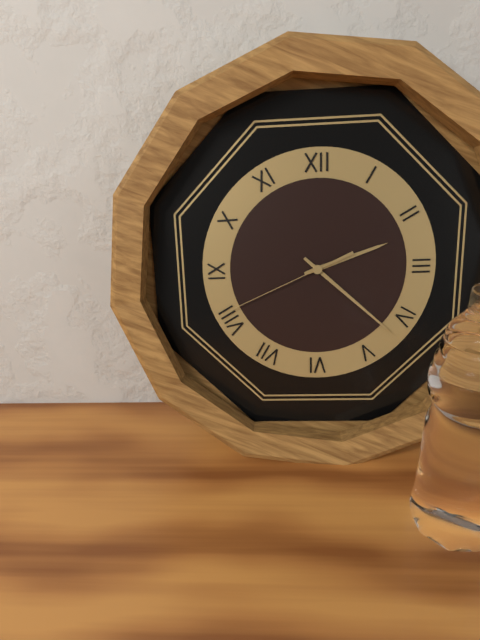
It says 2:22:41
